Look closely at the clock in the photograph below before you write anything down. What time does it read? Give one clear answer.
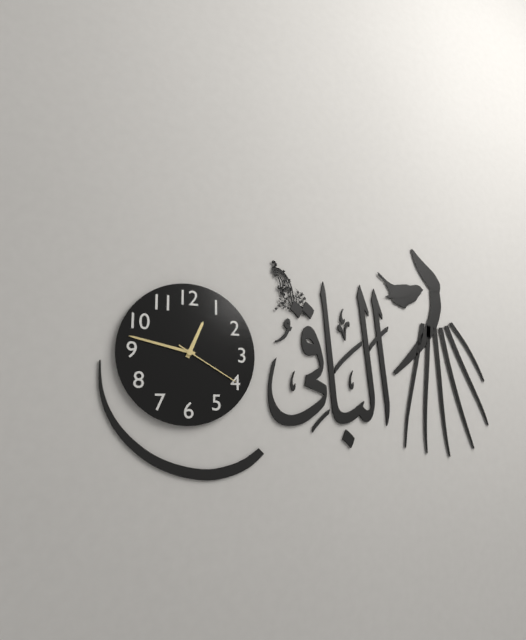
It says 12:47:20
